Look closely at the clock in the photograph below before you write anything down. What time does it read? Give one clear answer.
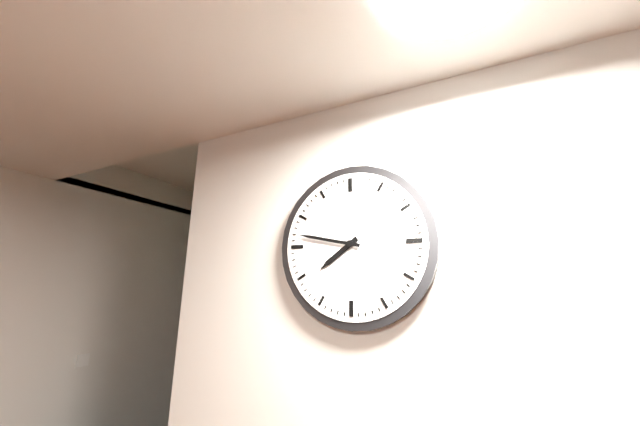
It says 7:47
